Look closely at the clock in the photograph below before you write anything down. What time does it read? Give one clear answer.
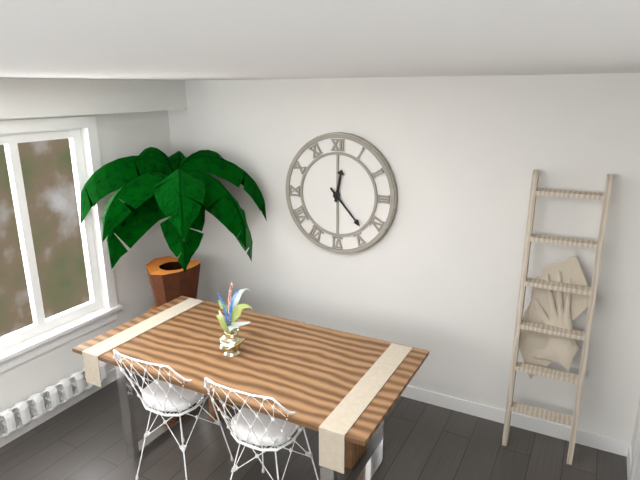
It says 12:23
